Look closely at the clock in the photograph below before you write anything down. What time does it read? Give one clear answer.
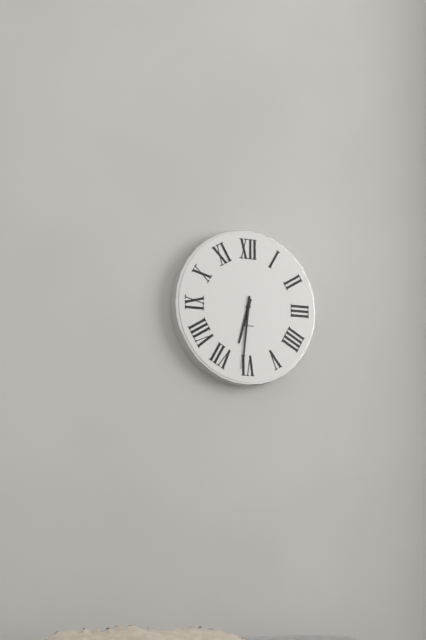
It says 6:31
